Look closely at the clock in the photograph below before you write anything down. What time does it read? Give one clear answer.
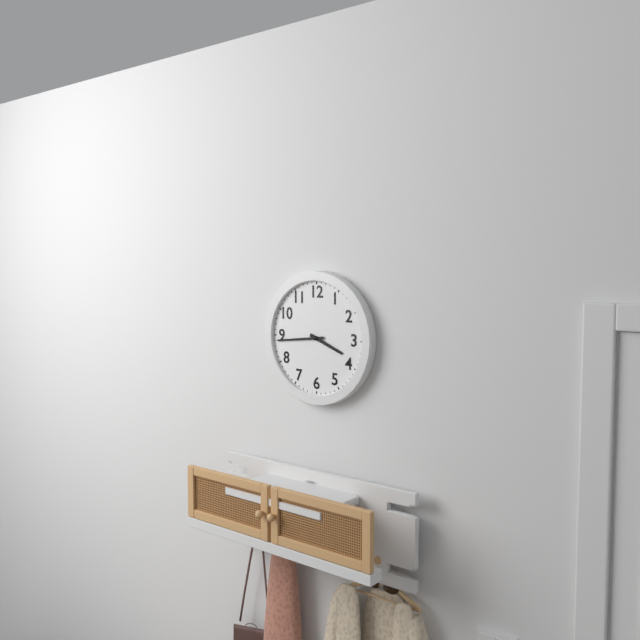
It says 3:44
